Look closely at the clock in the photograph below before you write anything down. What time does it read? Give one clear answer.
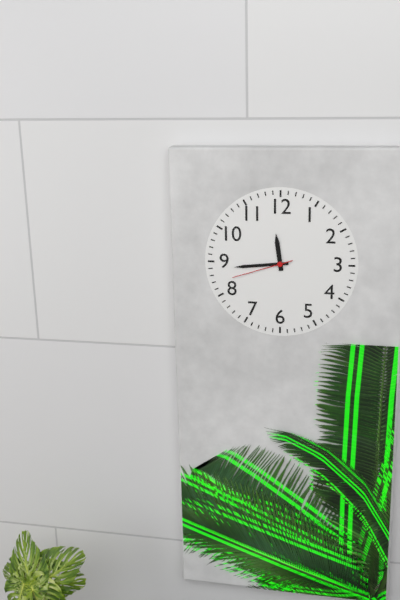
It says 11:44:42
